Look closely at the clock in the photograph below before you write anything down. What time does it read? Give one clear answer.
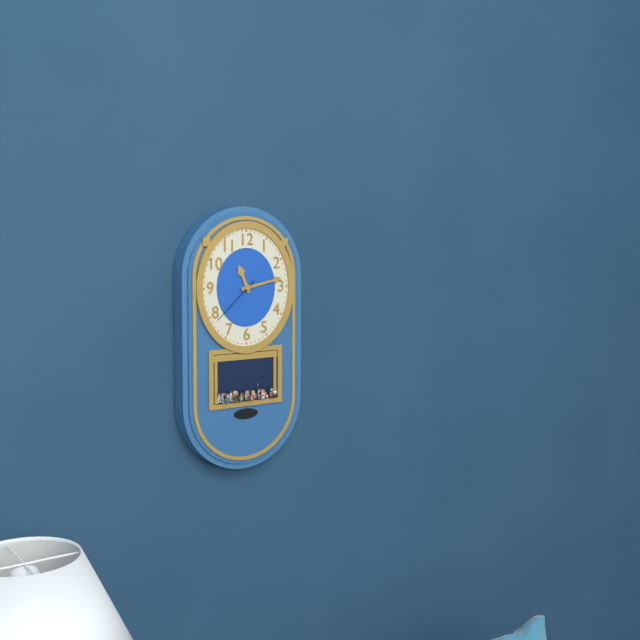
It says 11:13
